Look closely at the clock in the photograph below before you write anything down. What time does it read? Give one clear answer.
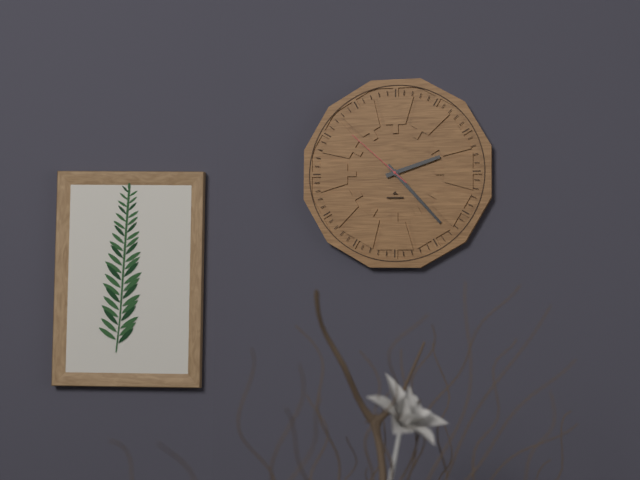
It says 2:23:52
